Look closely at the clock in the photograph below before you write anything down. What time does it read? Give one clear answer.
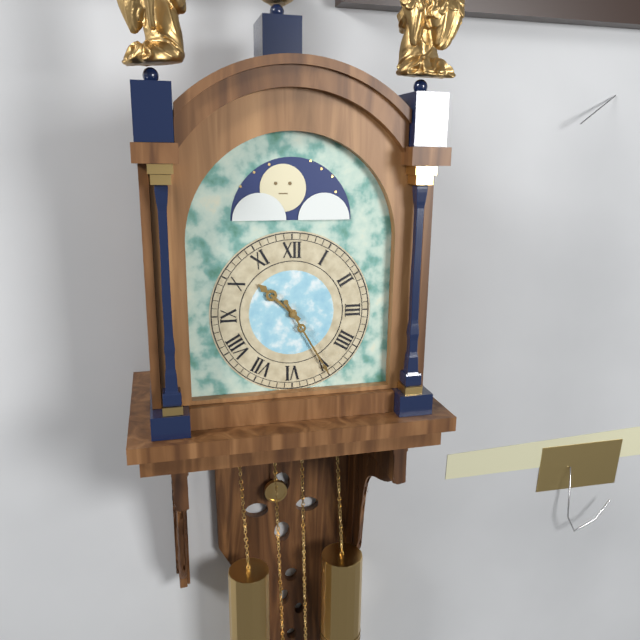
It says 10:25
